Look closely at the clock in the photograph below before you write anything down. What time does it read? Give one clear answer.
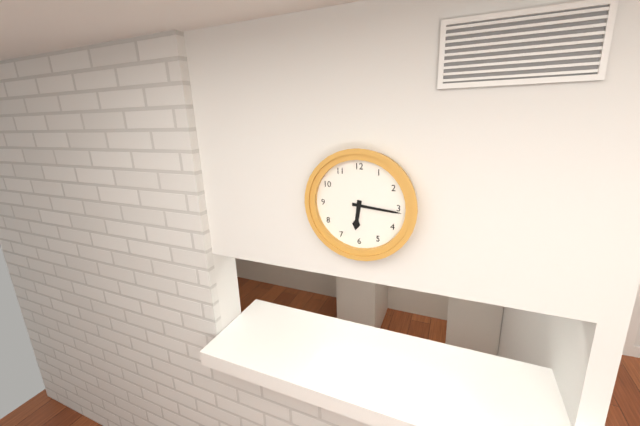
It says 6:16
